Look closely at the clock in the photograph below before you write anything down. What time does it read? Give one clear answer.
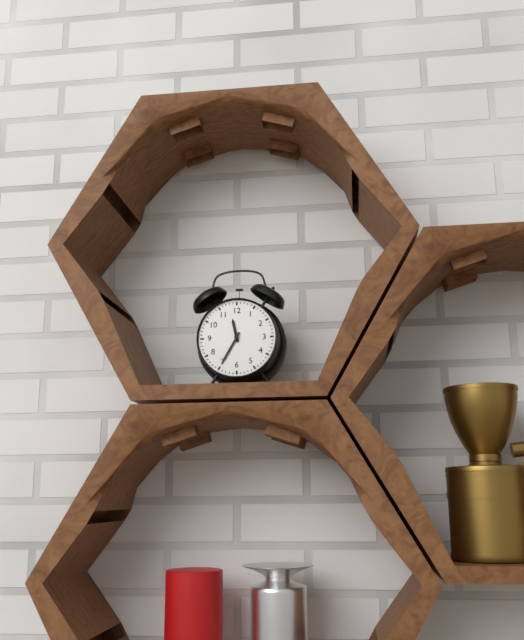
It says 11:35
